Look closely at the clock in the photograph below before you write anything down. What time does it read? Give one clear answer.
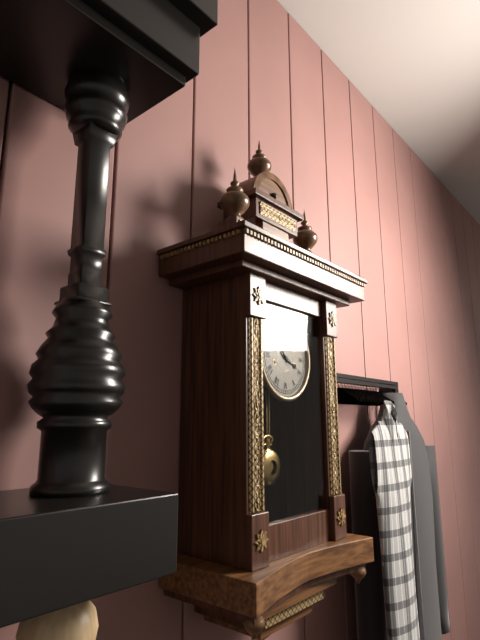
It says 3:52
